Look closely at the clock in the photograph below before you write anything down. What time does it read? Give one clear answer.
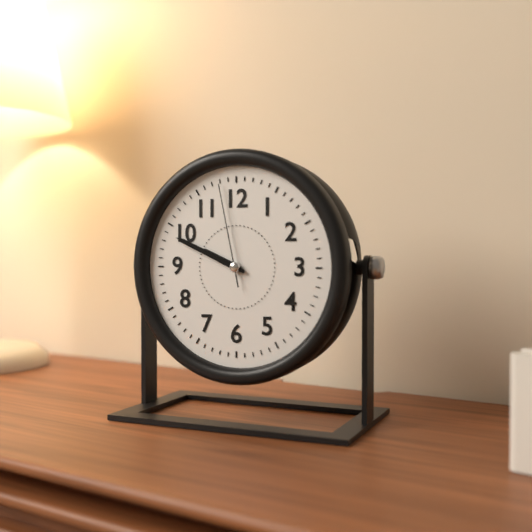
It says 9:49:58
